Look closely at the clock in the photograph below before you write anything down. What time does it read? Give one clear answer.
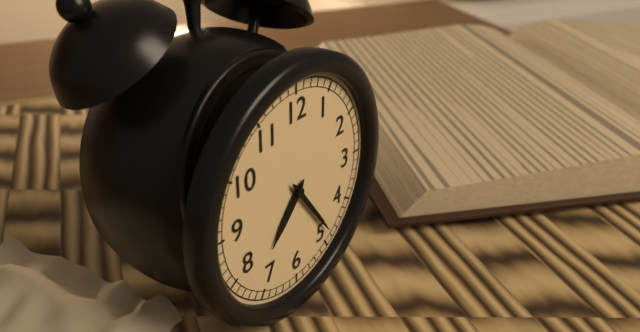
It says 7:24
